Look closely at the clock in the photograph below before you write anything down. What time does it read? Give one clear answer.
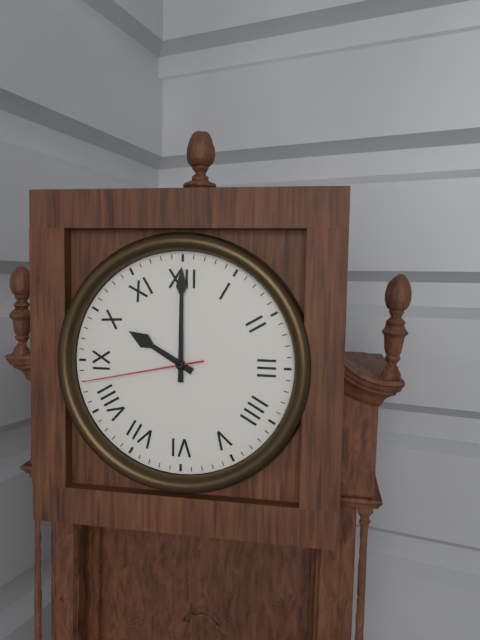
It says 10:00:43
